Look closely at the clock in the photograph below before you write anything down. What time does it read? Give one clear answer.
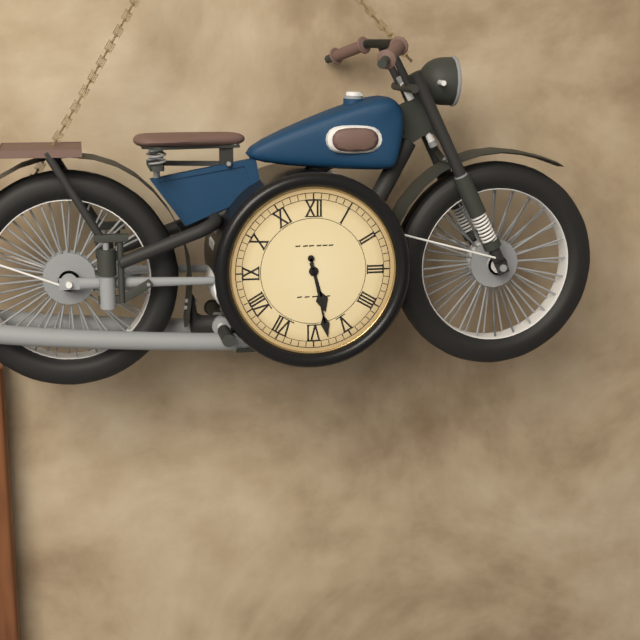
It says 5:28
